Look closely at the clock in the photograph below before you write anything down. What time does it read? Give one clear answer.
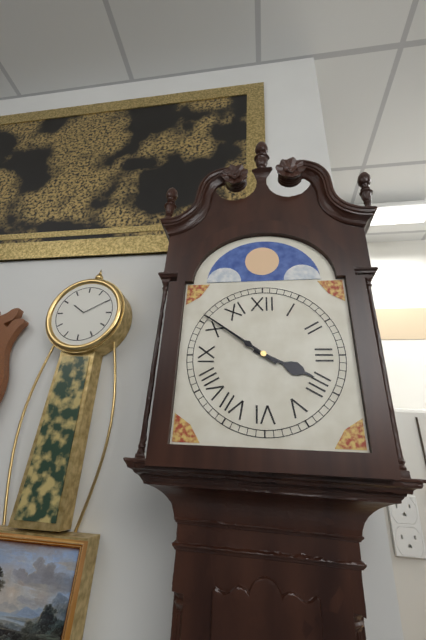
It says 3:51
